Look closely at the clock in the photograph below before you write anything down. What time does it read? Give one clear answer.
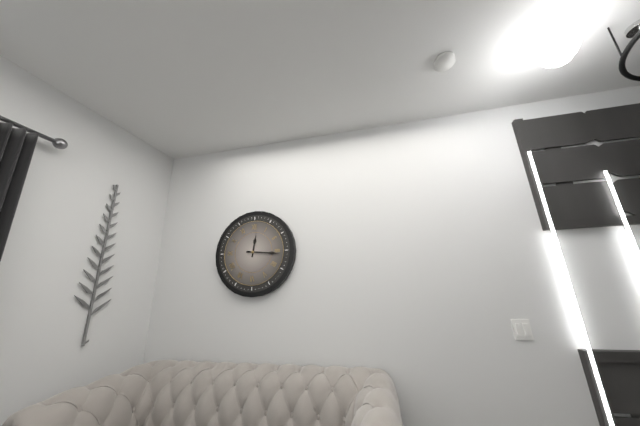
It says 12:16
